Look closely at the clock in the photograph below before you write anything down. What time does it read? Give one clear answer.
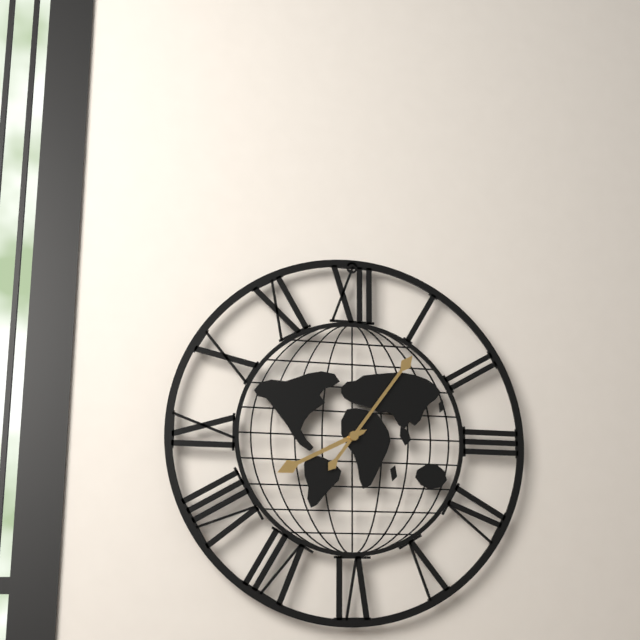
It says 8:06
